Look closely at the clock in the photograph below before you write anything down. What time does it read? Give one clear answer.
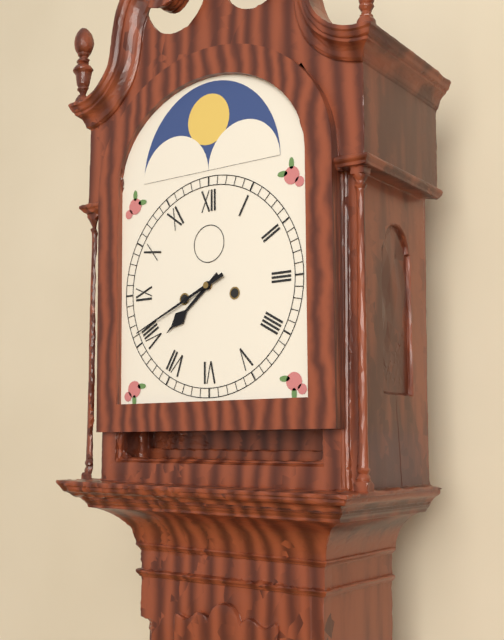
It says 7:41
